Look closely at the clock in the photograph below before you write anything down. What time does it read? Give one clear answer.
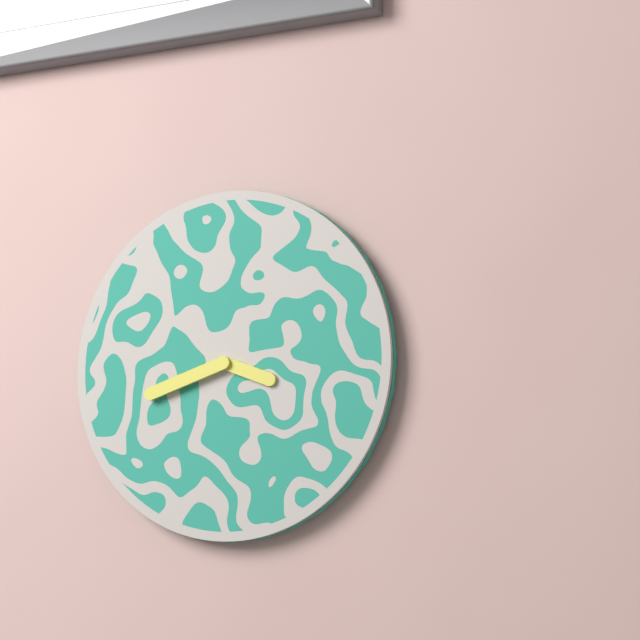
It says 3:42
